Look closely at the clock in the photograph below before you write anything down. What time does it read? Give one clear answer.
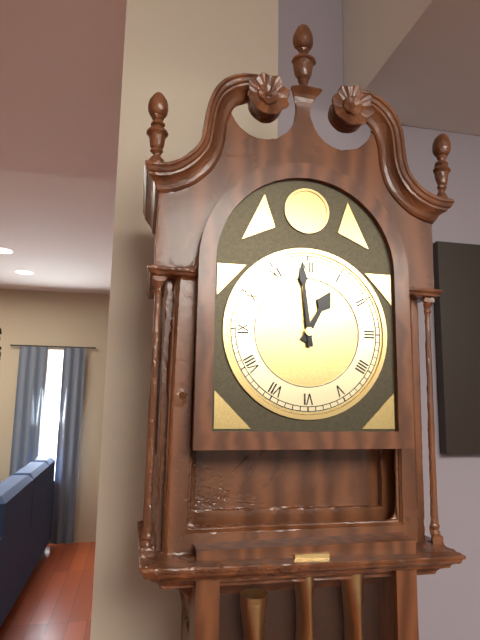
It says 12:59
